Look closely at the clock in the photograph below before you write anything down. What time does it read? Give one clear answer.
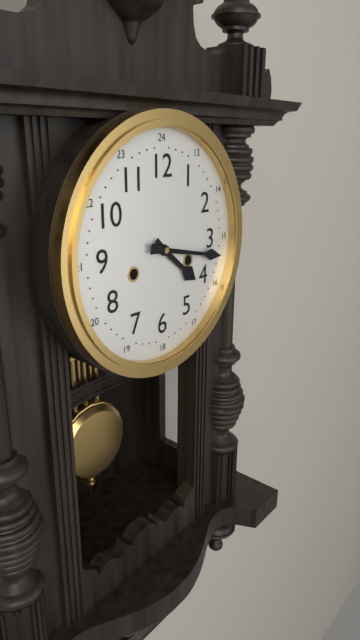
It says 4:17
